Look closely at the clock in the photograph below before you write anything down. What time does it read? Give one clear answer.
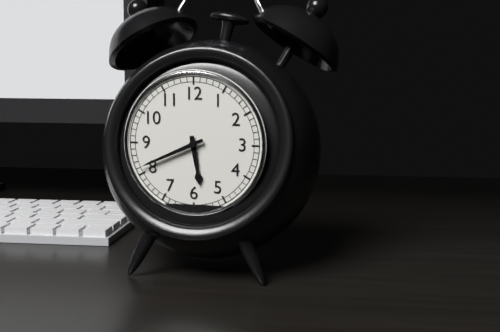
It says 5:41
